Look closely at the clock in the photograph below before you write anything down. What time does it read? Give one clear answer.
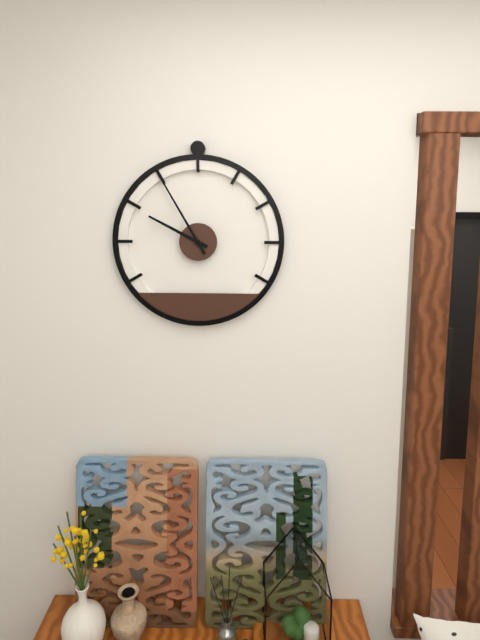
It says 9:55
